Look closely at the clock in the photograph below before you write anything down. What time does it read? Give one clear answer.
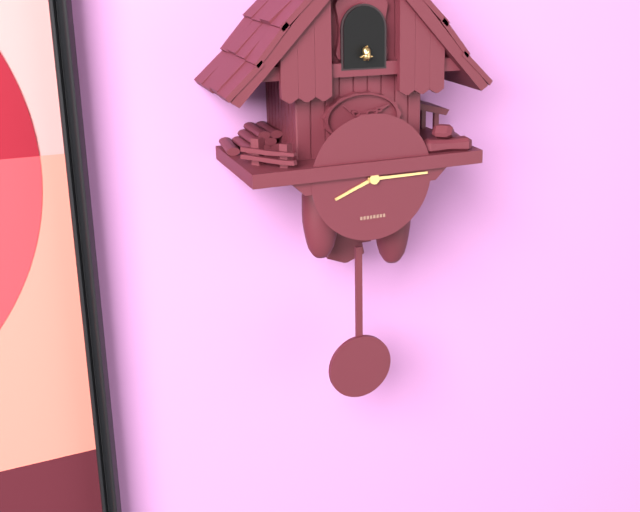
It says 8:15
